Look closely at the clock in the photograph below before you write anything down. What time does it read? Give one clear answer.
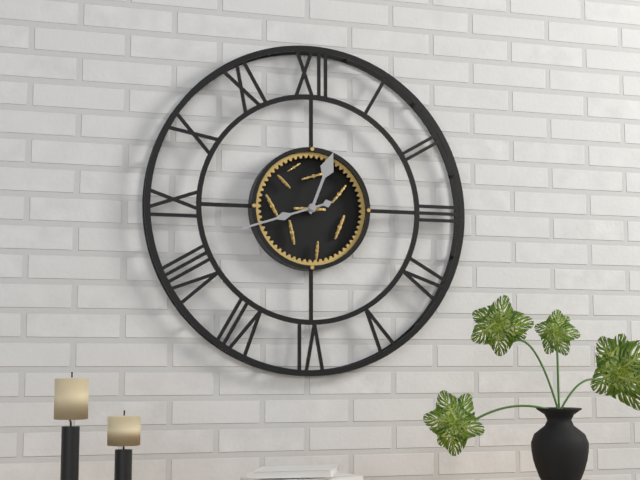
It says 12:42
